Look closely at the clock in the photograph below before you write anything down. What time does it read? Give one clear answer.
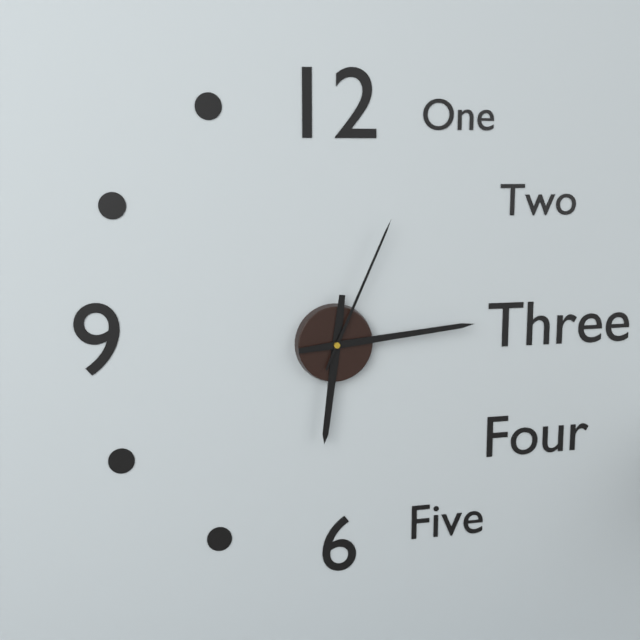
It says 6:14:04
